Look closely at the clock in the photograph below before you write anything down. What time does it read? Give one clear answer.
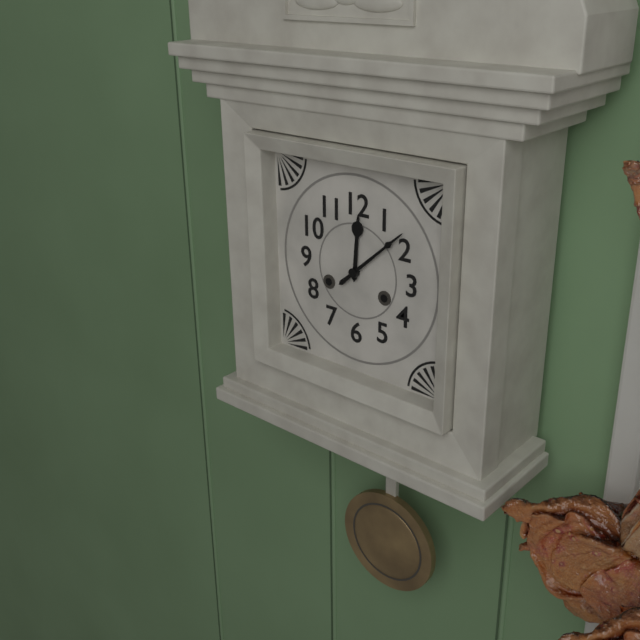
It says 12:08
